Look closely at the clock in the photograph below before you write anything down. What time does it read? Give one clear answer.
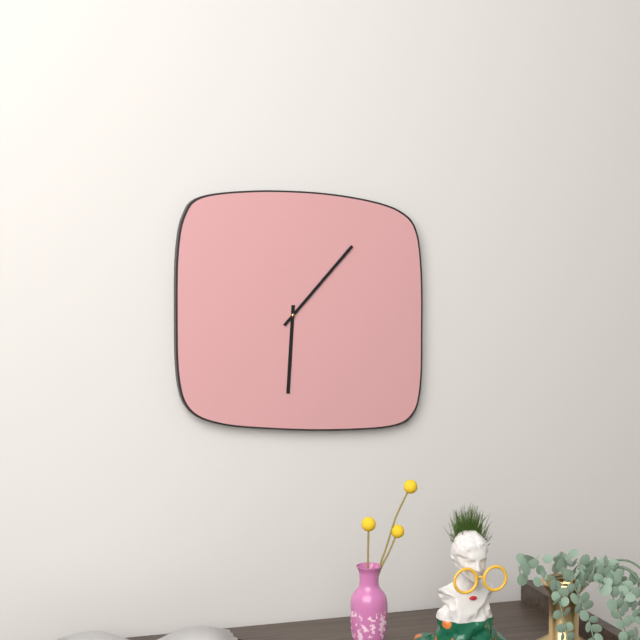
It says 6:07
